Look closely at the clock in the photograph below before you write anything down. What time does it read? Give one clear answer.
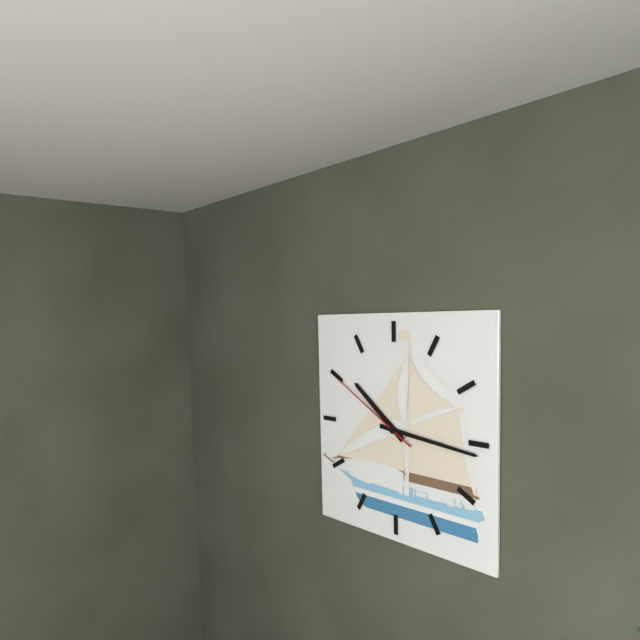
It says 10:16:50
